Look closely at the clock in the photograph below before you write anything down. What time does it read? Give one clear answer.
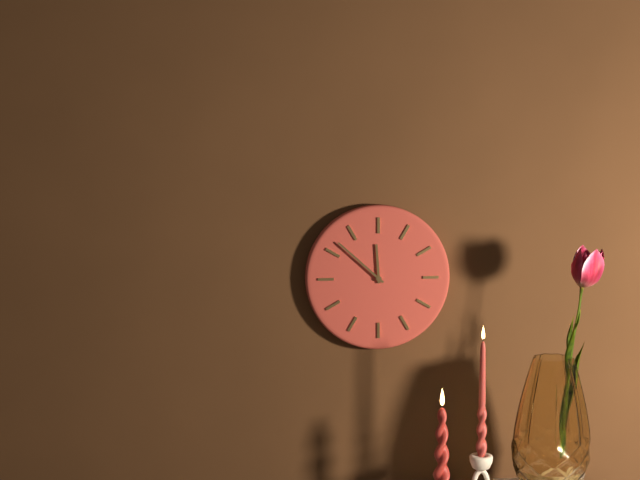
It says 11:52
